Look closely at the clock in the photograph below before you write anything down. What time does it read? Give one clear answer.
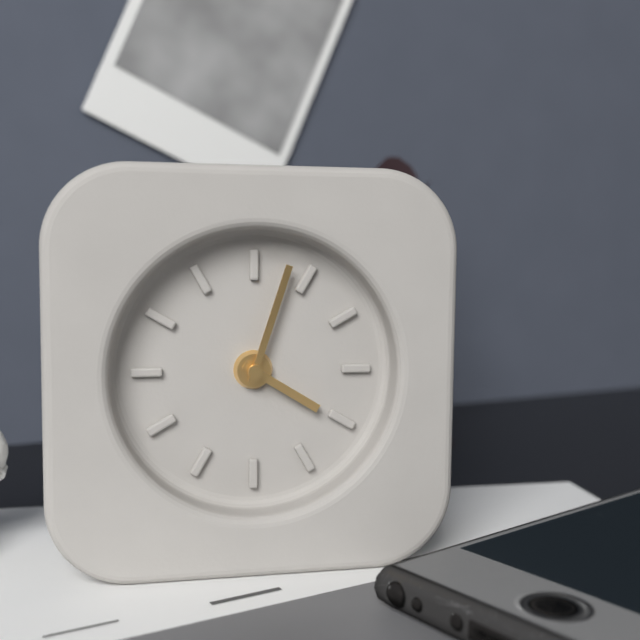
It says 4:03
